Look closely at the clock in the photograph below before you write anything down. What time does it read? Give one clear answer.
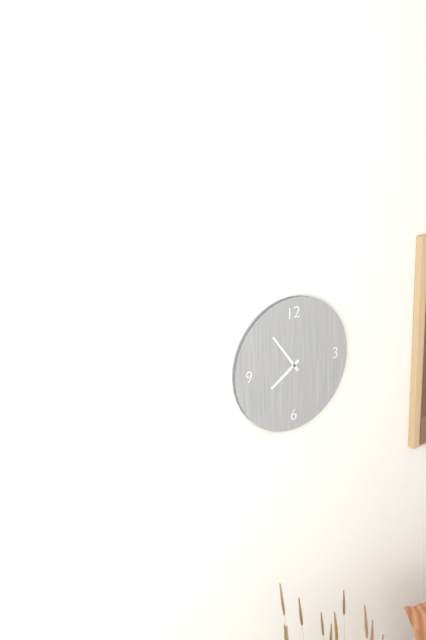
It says 7:54
